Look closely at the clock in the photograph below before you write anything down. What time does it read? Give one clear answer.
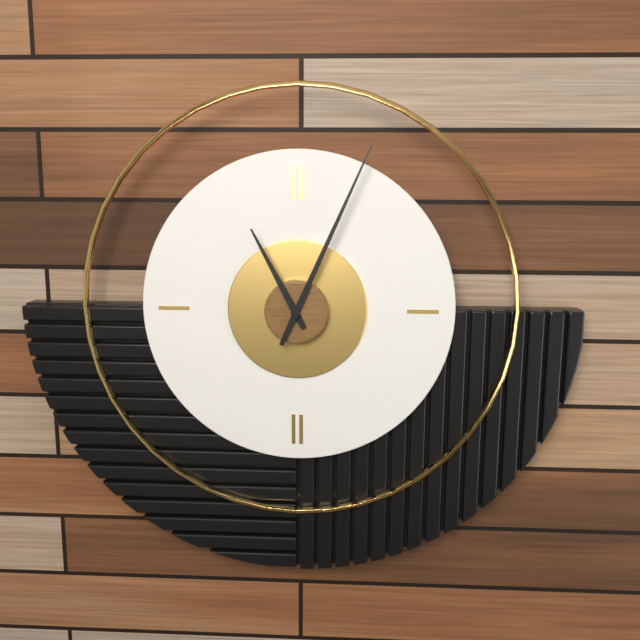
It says 11:04
